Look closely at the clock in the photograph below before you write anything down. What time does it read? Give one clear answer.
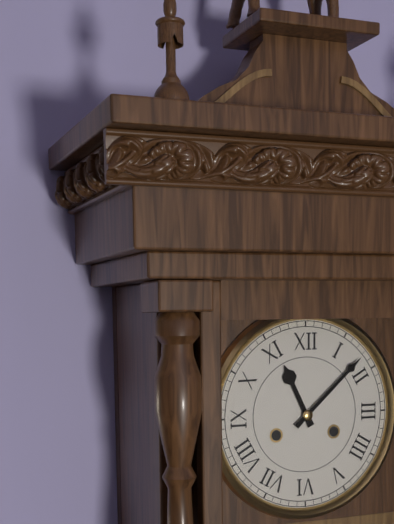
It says 11:08
